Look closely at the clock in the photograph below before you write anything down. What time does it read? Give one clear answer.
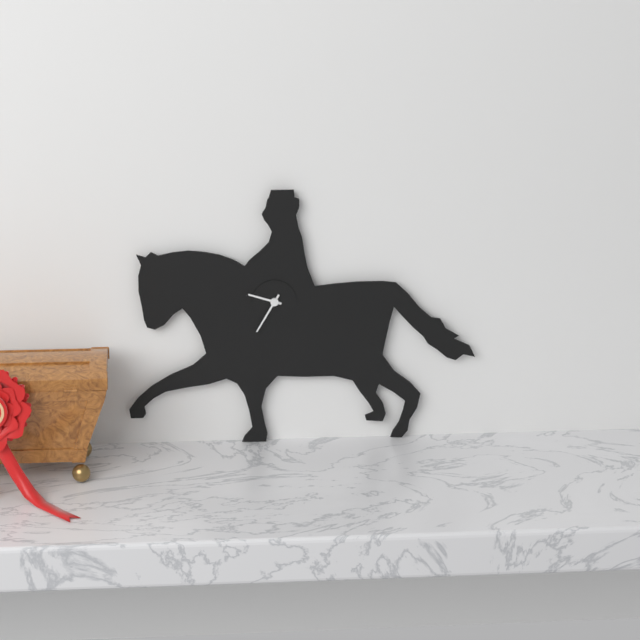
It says 9:35
